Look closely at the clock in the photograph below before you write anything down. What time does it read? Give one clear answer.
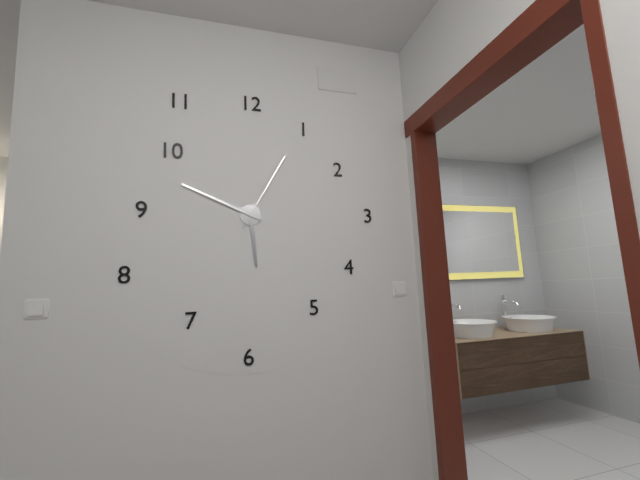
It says 5:49:05
